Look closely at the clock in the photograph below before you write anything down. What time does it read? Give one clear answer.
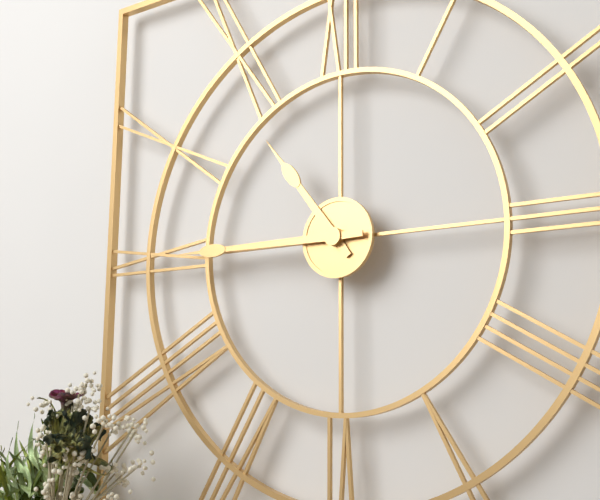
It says 10:45
